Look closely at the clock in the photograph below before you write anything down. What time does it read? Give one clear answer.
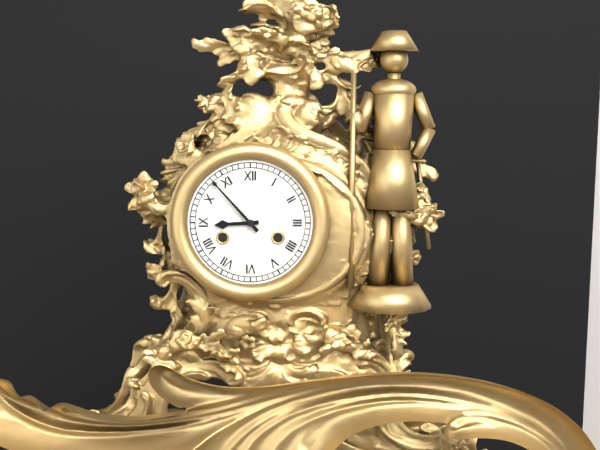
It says 8:53
